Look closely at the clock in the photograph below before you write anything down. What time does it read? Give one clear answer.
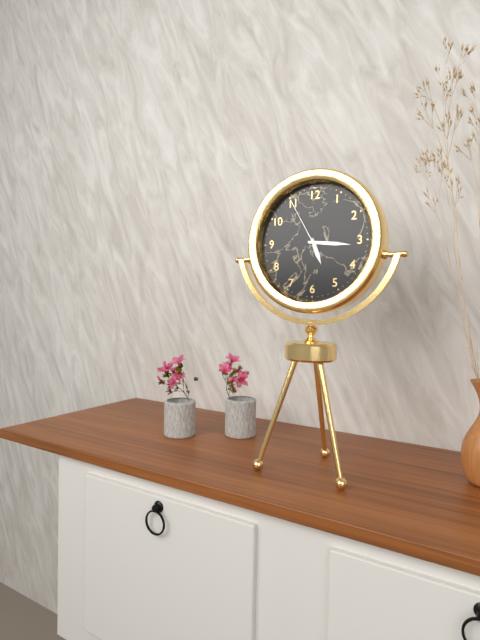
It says 5:16:55
